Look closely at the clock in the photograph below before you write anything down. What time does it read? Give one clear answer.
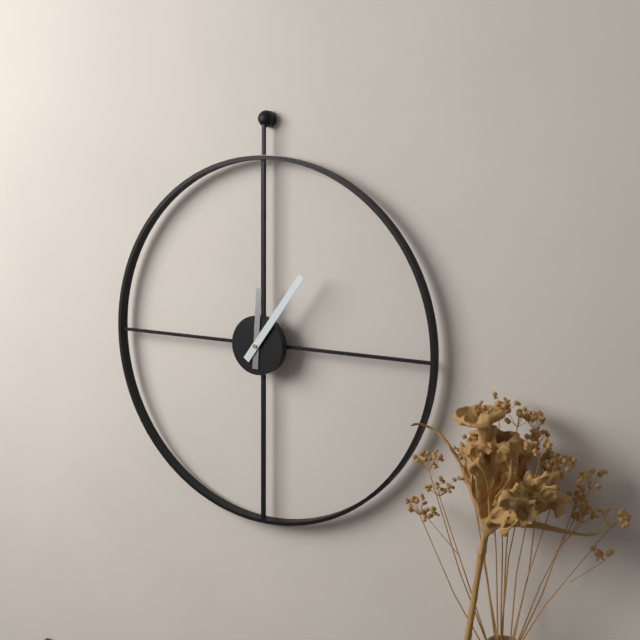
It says 12:06
